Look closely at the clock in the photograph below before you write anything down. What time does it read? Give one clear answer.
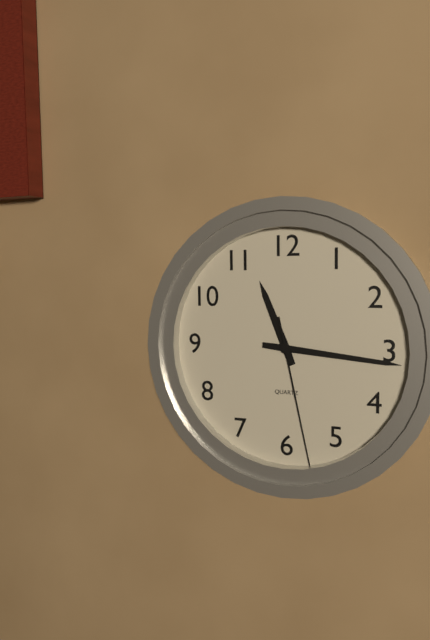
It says 11:16:28
